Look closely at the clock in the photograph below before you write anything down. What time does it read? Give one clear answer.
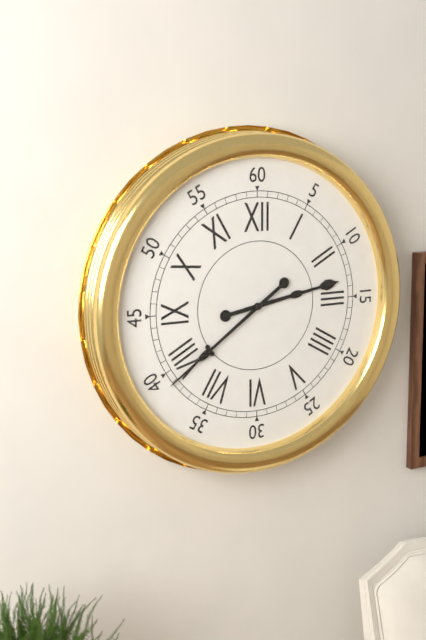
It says 2:39
